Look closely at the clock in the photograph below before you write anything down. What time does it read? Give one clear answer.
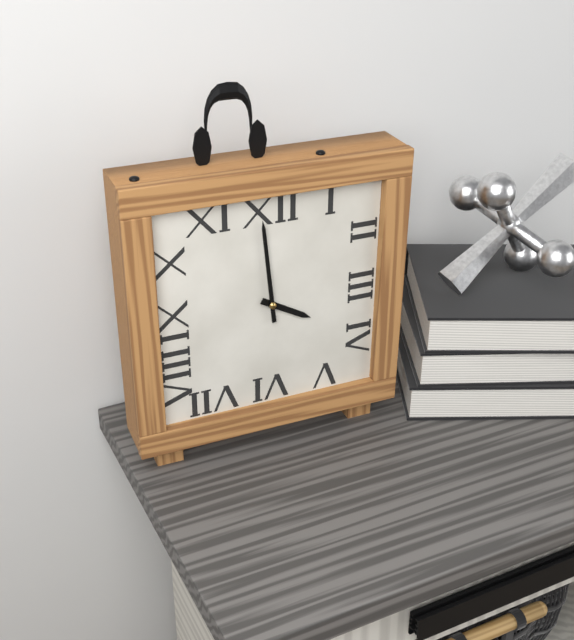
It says 3:59
